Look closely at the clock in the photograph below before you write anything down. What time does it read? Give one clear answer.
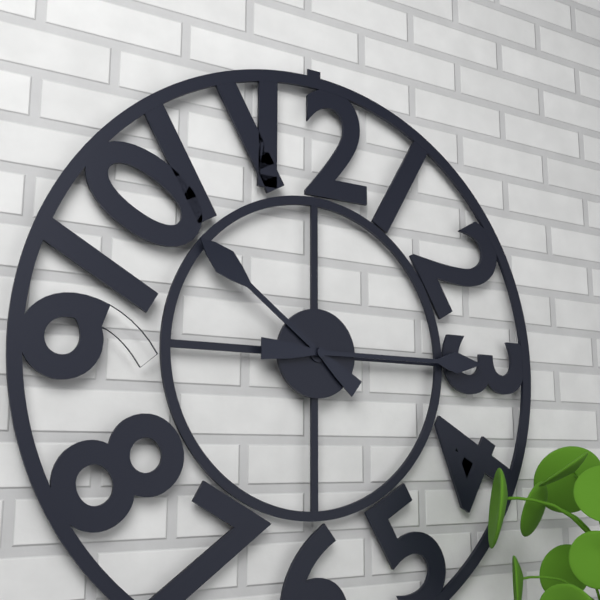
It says 10:15
